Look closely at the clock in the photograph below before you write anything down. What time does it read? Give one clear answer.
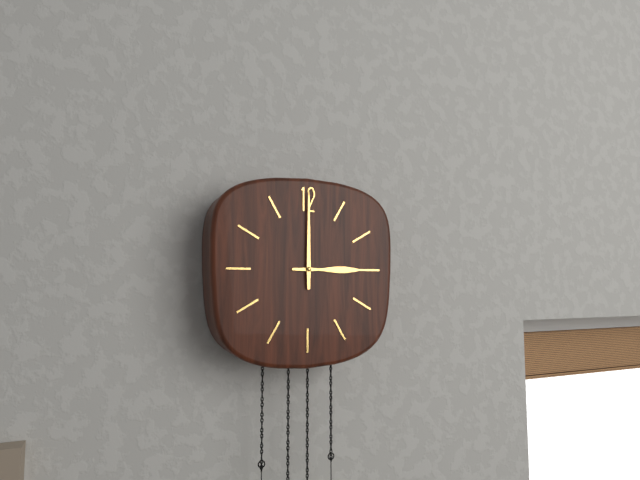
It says 3:00
